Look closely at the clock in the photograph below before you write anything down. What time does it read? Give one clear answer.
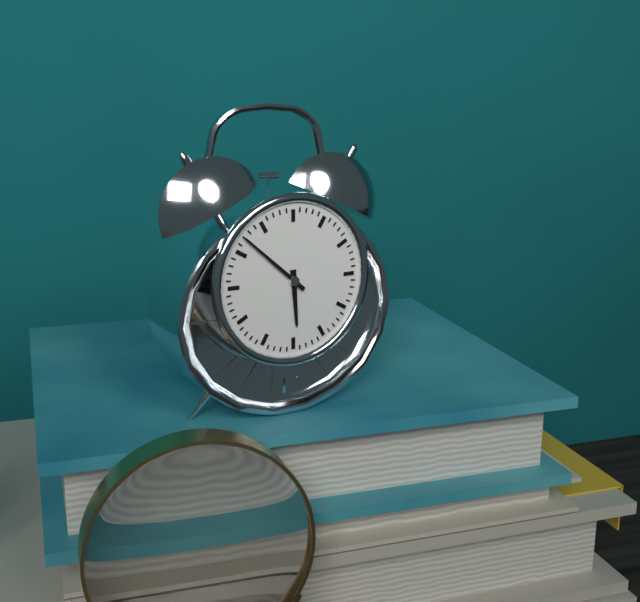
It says 5:52
